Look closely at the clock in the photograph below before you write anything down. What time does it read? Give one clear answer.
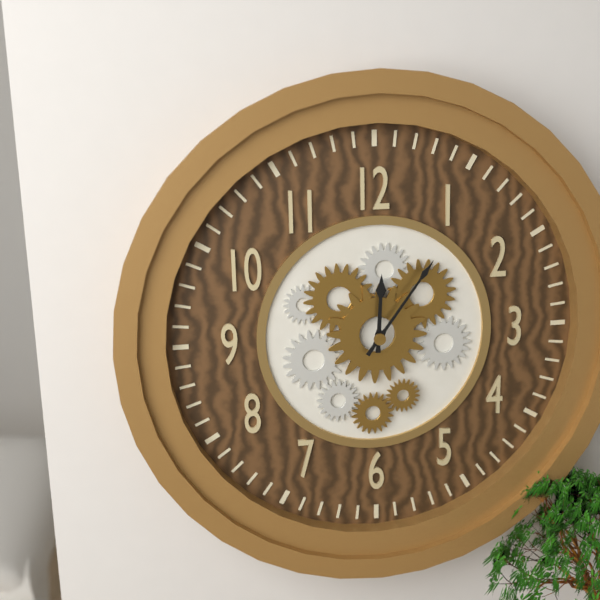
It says 12:06
